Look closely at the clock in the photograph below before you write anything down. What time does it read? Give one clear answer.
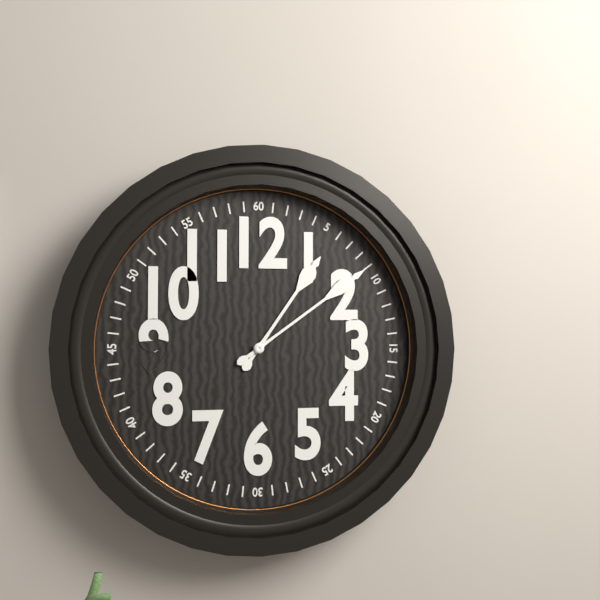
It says 1:09
